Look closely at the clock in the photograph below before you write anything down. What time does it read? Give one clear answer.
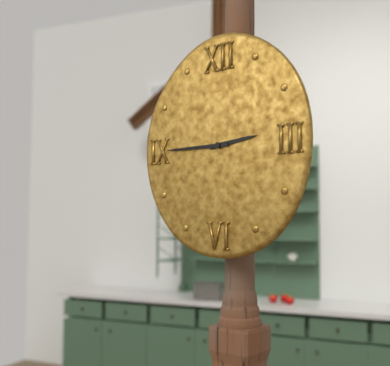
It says 2:45
